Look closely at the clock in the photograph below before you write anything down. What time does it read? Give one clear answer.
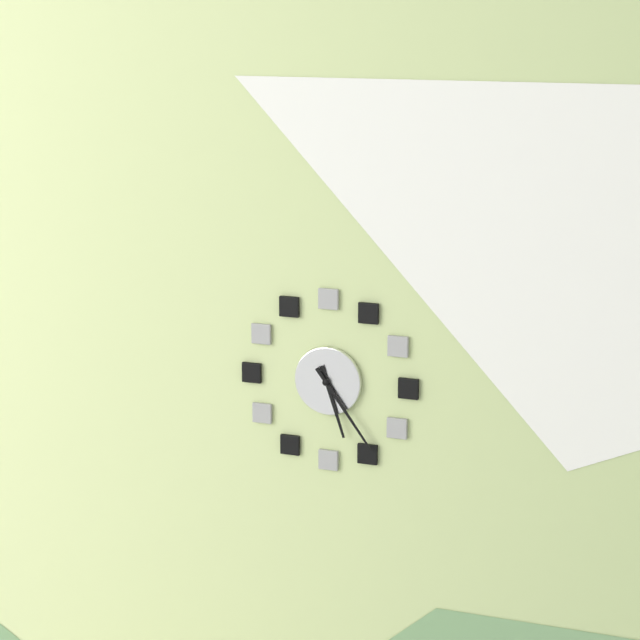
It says 5:24
